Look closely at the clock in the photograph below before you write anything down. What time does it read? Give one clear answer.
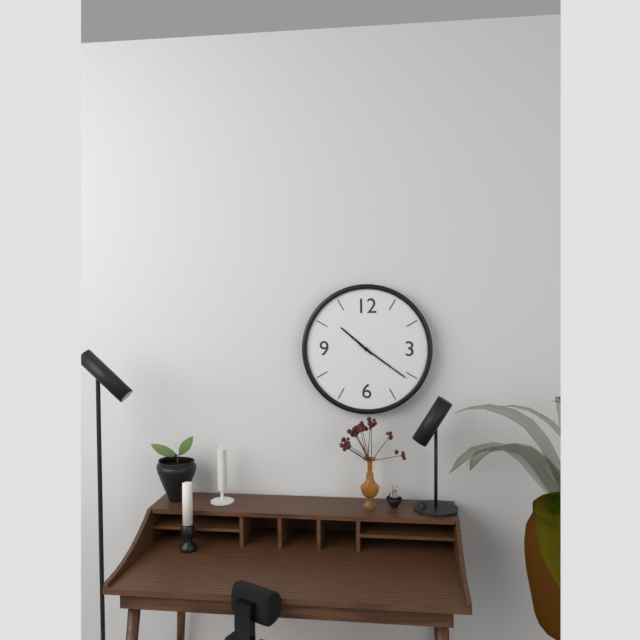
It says 10:21
